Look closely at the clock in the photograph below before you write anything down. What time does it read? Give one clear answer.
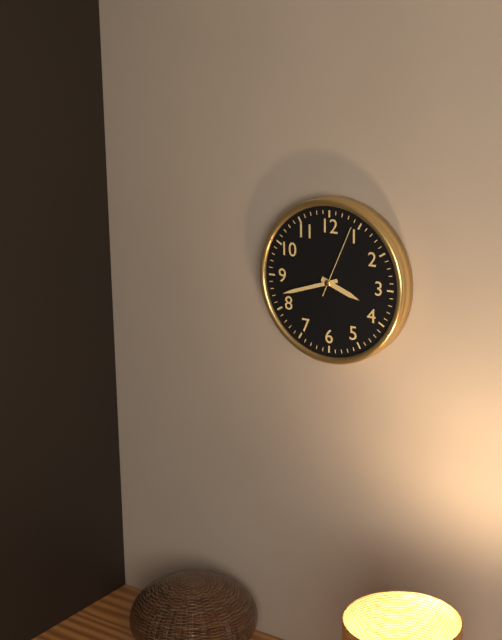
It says 3:42:04
